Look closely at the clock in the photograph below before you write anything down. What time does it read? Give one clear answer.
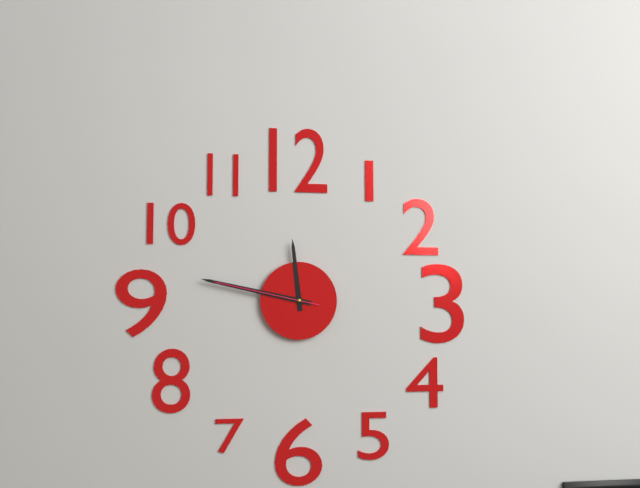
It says 11:47:47
